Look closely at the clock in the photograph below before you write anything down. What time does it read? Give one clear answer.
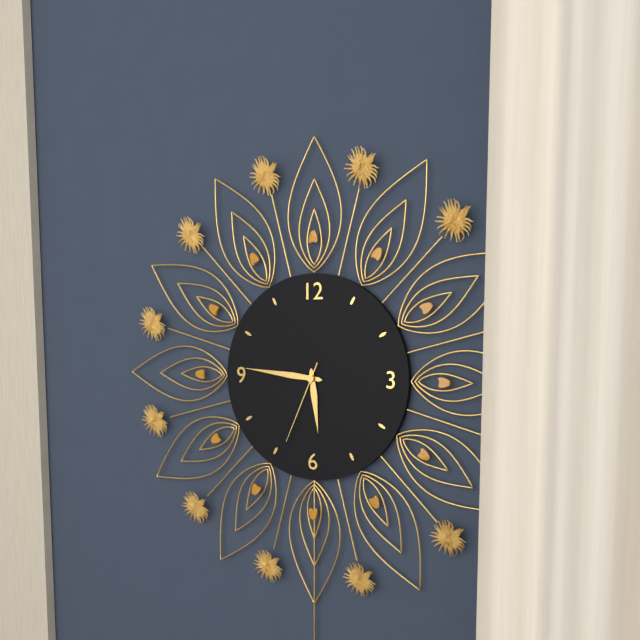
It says 5:46:34
